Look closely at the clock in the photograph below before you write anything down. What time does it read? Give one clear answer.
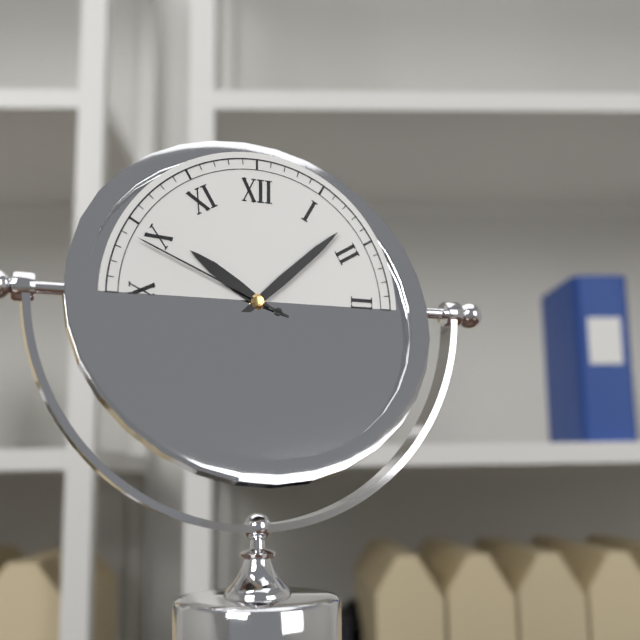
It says 10:08:49
